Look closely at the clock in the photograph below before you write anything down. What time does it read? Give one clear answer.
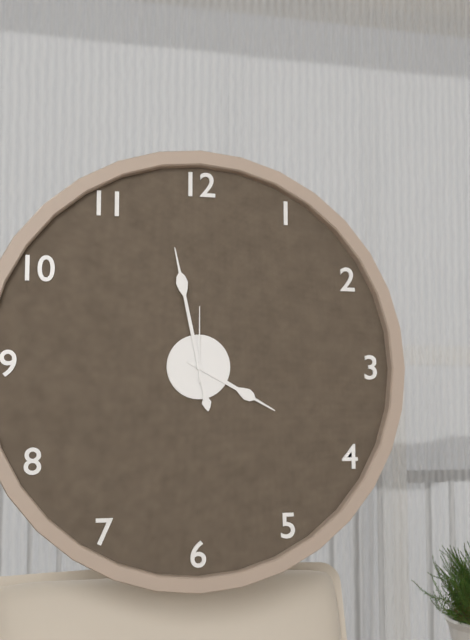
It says 3:58:00
